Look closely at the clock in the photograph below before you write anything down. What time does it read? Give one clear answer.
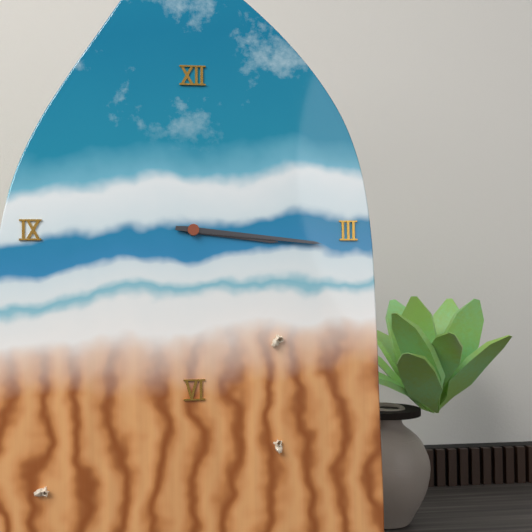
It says 3:16
